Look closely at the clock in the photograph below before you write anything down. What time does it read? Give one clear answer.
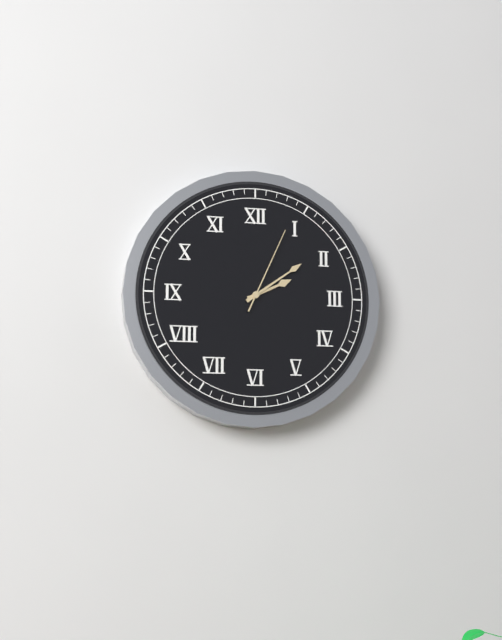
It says 2:09:04
